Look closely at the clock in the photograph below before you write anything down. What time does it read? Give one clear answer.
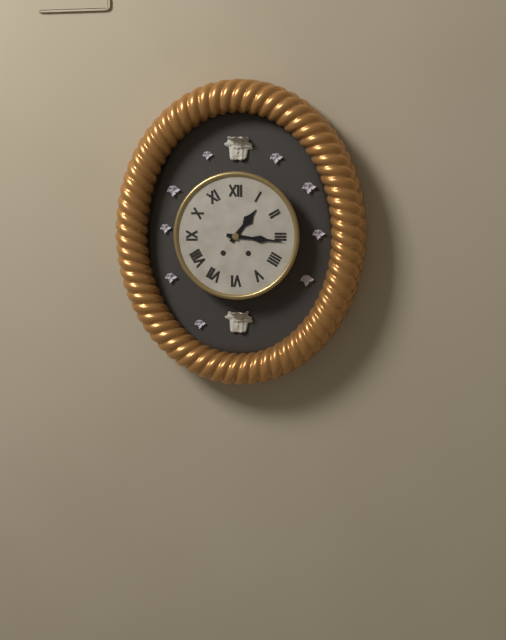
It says 1:16
